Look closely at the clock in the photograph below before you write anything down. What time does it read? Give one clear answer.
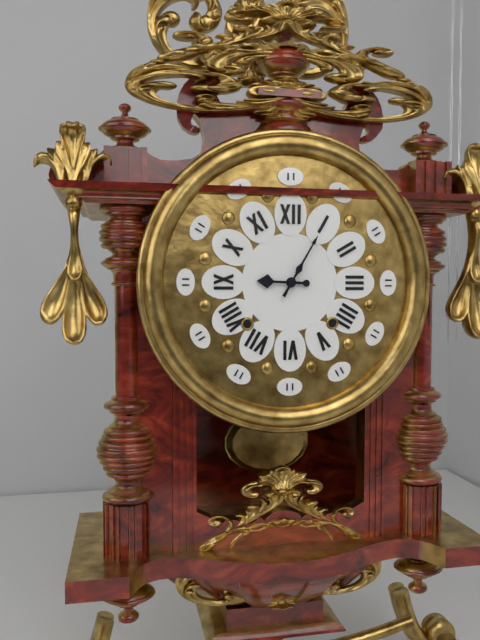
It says 9:05
